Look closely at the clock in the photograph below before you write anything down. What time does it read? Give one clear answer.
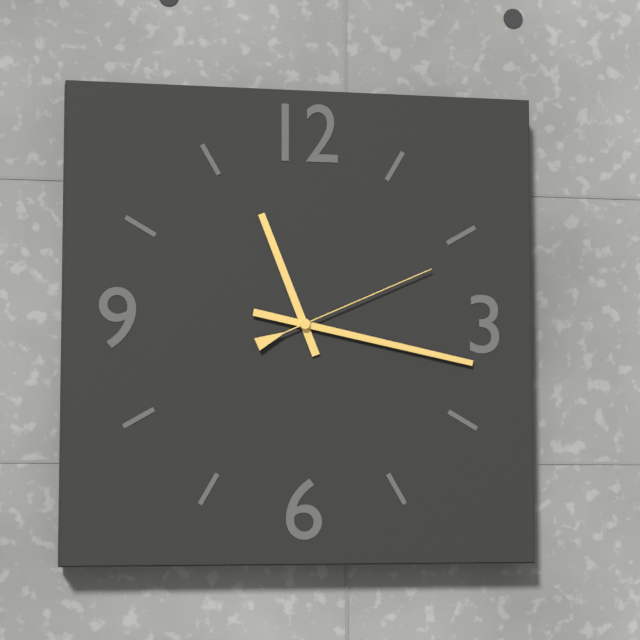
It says 11:17:11
